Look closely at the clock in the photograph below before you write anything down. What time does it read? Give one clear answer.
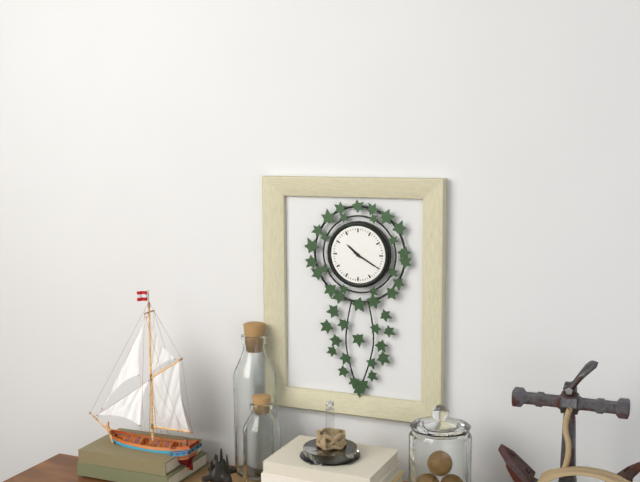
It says 10:20
